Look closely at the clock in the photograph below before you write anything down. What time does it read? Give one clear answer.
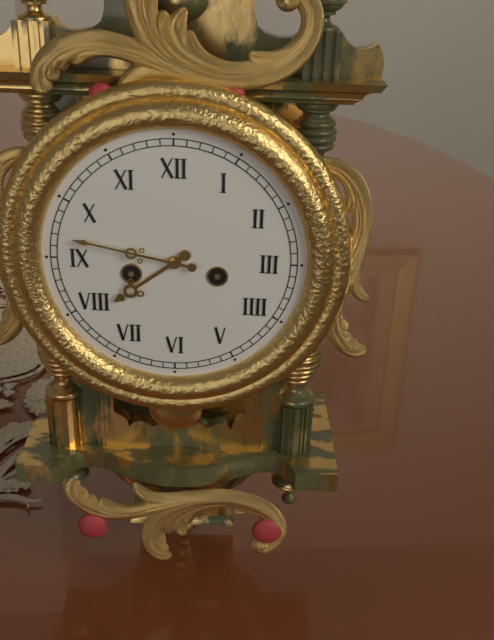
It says 7:47
